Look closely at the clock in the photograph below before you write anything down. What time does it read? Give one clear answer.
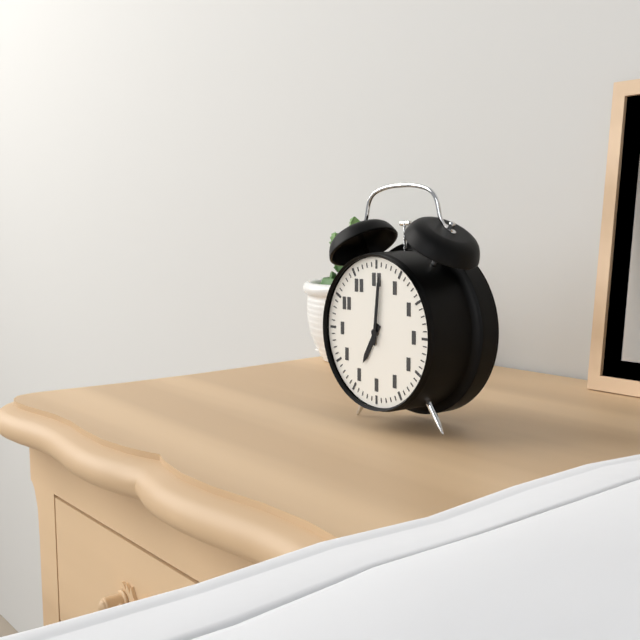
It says 7:01
